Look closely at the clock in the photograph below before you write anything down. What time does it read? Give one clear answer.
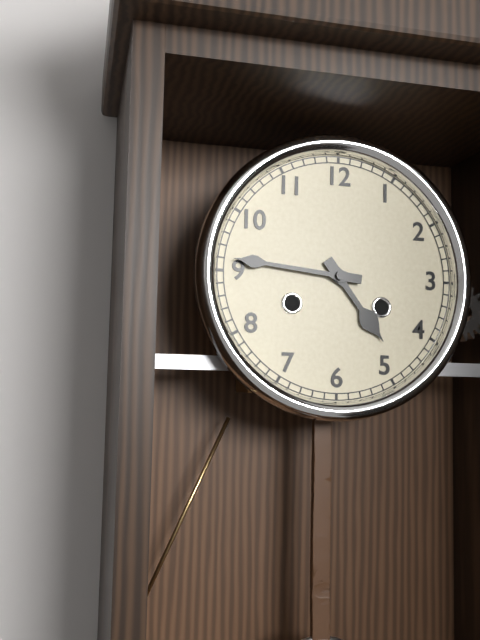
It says 4:46
